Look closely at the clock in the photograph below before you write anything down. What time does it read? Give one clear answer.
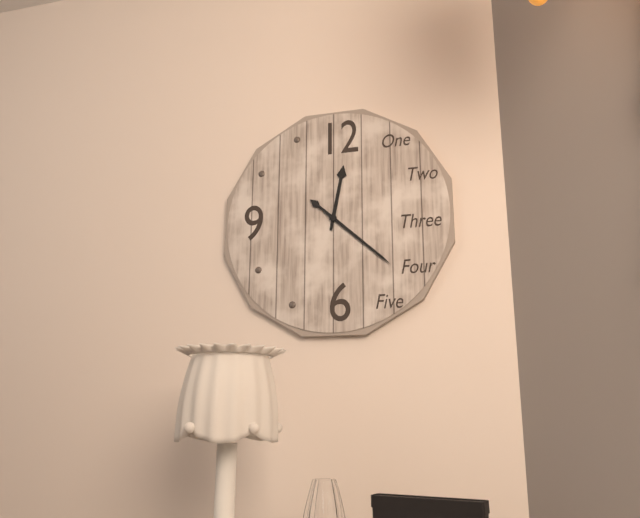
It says 12:22
